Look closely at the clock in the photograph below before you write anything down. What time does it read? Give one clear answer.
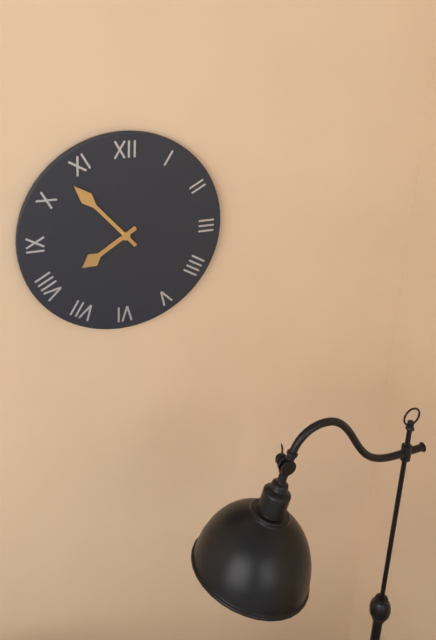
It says 7:53
